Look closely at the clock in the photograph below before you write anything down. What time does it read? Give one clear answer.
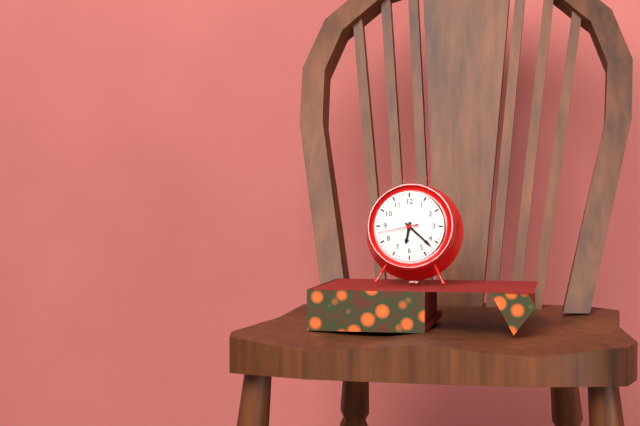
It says 6:22
